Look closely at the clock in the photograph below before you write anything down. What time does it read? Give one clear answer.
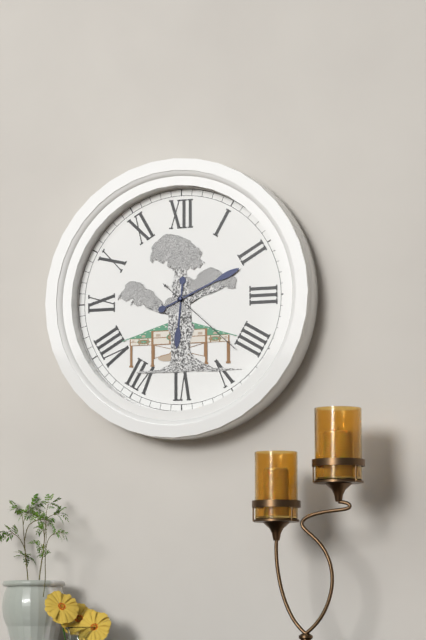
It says 6:11:22
